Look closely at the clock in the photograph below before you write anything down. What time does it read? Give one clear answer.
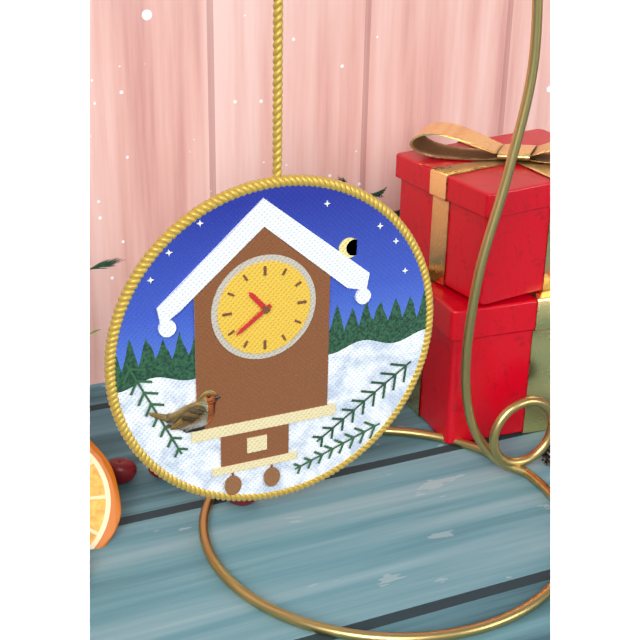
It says 10:39
